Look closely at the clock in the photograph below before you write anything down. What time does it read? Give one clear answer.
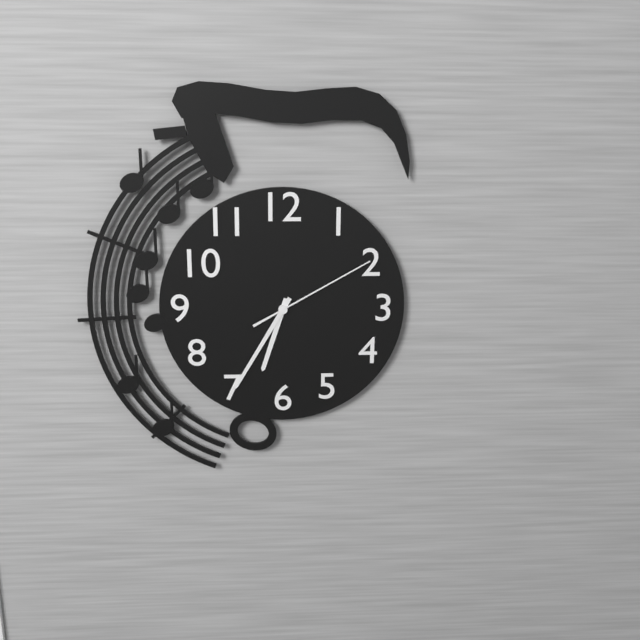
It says 6:35:10
